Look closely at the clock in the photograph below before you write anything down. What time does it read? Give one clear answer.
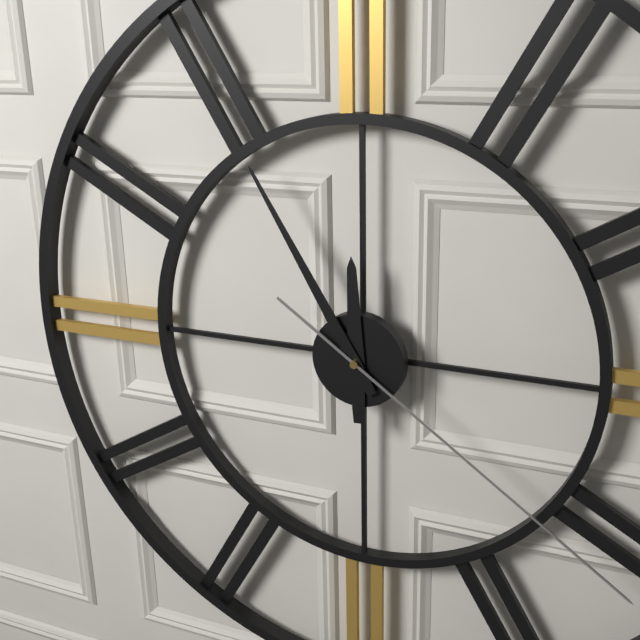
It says 11:55:21
